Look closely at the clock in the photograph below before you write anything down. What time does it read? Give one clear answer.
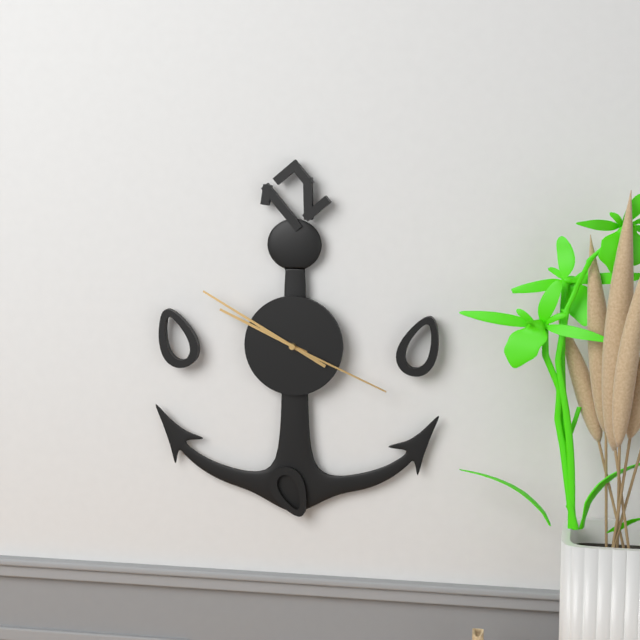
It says 9:50:19
